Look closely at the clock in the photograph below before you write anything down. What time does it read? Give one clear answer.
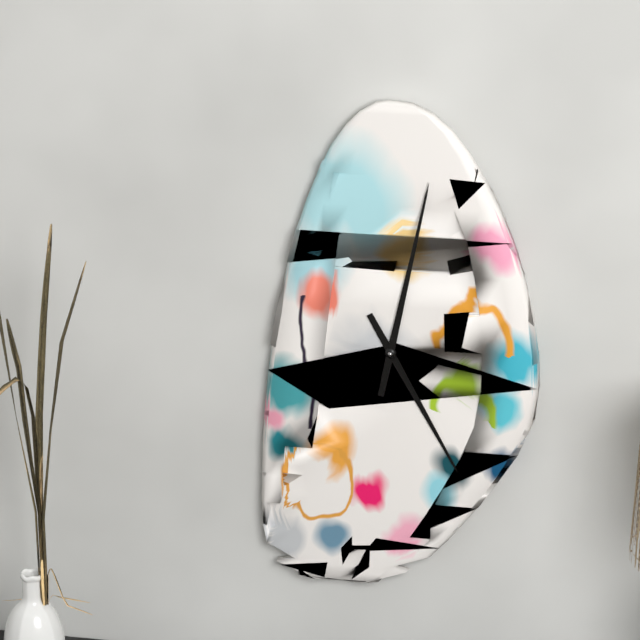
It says 5:02
